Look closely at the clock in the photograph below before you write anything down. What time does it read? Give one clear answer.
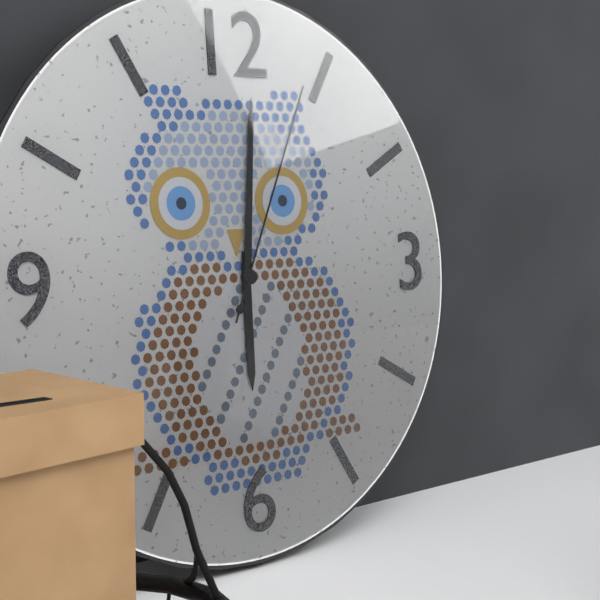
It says 6:01:04
